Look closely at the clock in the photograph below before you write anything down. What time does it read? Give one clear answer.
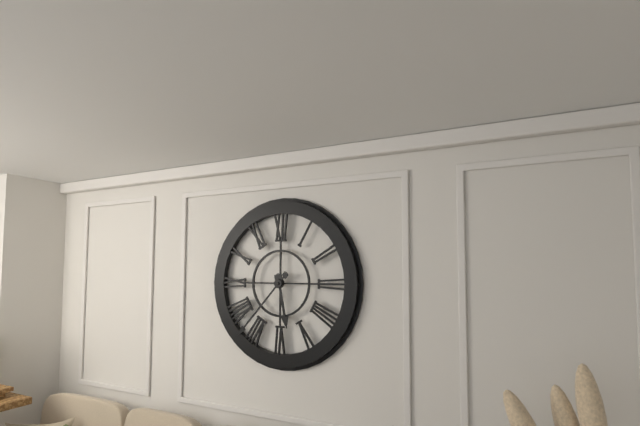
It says 5:37
